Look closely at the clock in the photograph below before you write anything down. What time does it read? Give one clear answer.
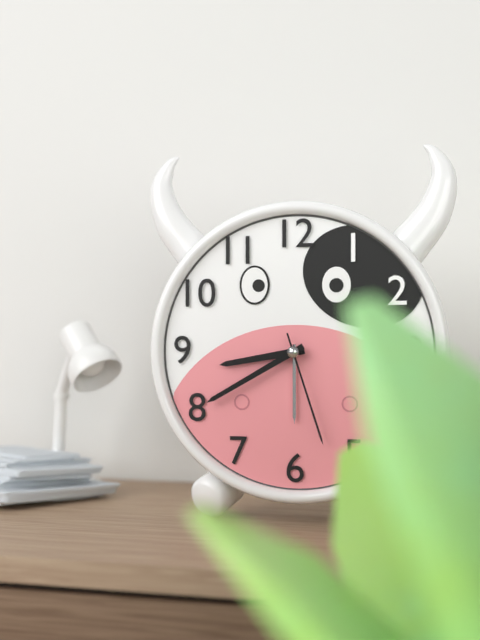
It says 8:40:27
